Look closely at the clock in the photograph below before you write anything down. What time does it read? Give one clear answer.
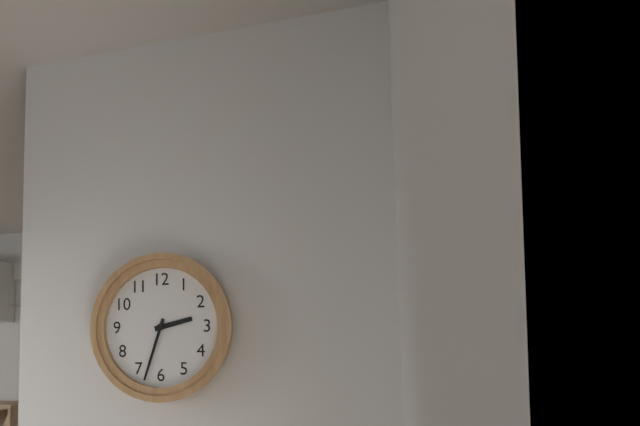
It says 2:33
